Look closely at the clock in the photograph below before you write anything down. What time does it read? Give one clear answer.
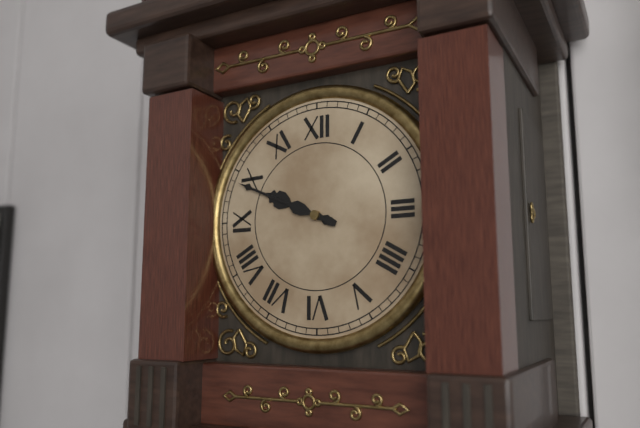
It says 9:49
